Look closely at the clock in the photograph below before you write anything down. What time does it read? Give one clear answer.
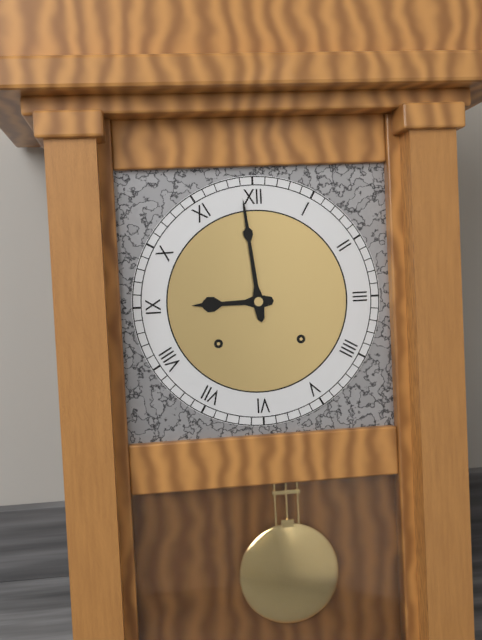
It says 8:59
